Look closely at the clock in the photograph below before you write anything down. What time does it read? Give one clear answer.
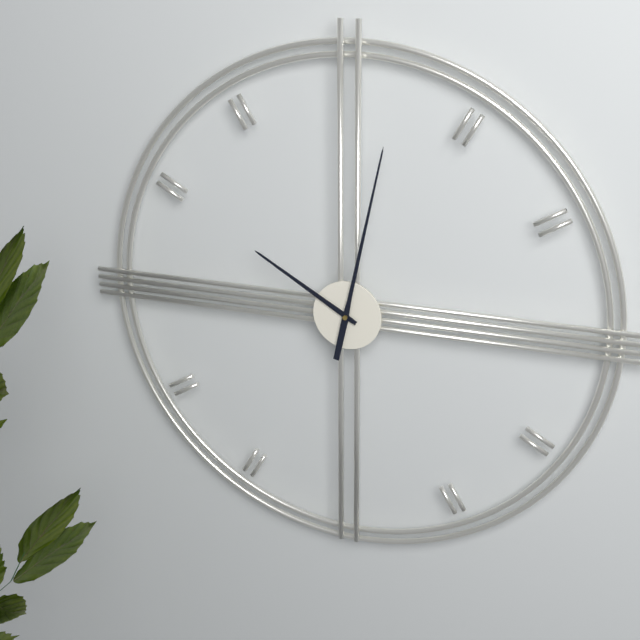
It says 10:02
